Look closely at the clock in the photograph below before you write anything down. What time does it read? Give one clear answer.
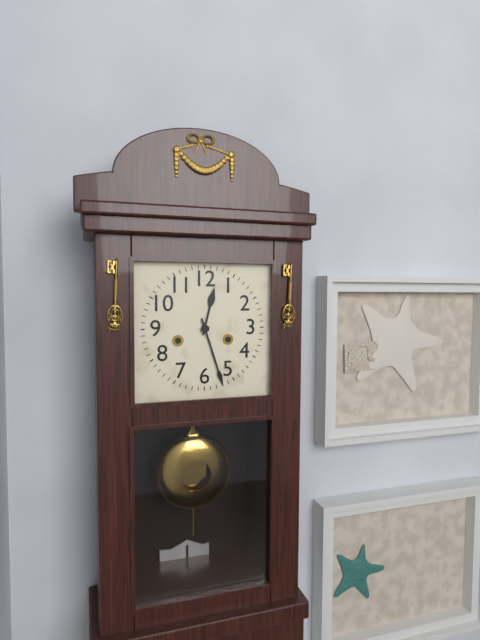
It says 12:27
